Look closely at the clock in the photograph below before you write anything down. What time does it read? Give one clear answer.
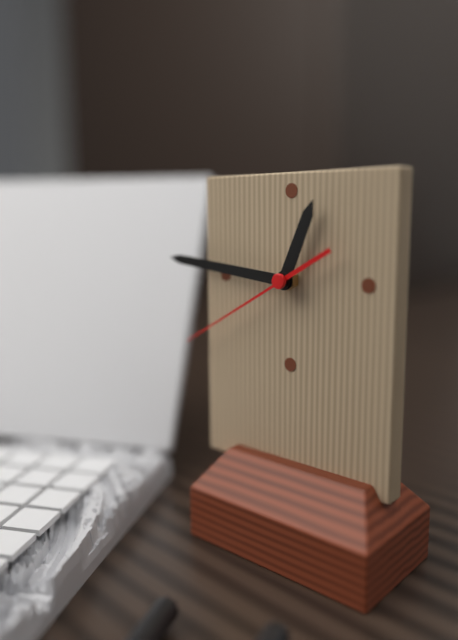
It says 12:46:40
